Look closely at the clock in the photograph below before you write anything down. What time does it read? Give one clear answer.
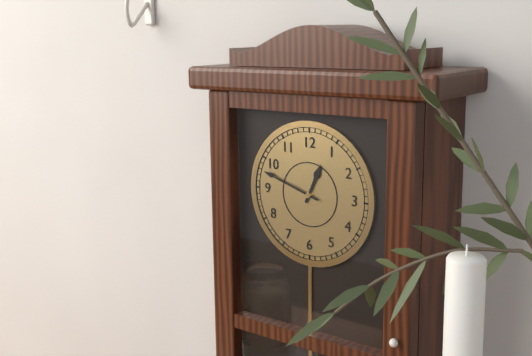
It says 12:48
